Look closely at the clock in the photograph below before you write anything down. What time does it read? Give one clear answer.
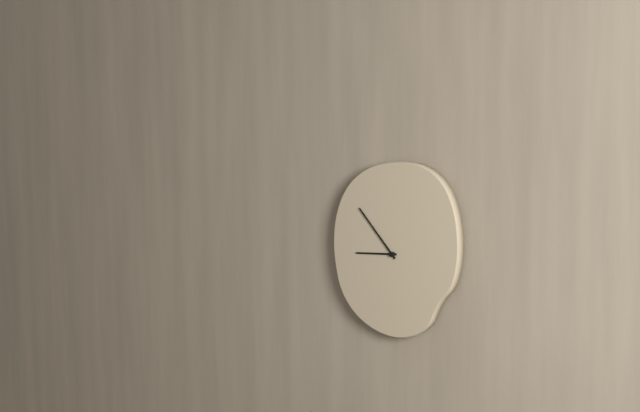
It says 8:53
